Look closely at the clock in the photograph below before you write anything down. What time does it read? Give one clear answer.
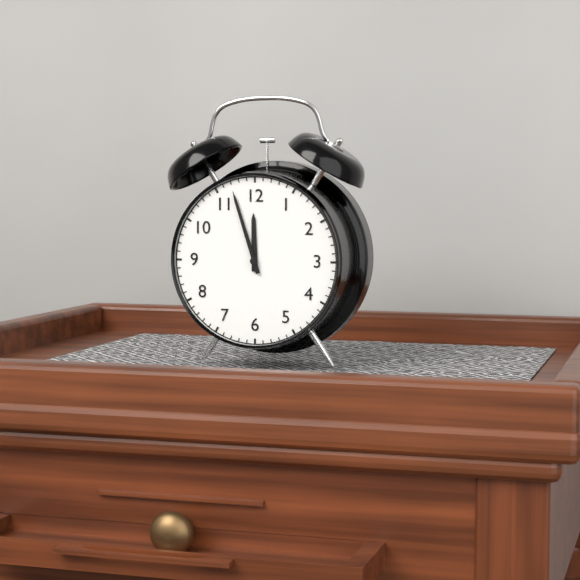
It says 11:57
